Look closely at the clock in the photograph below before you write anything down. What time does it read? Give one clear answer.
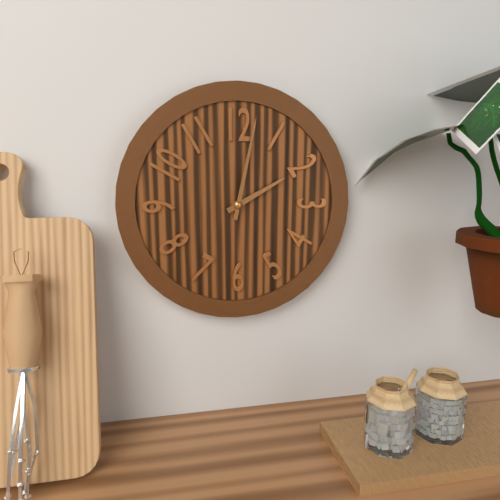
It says 2:02
